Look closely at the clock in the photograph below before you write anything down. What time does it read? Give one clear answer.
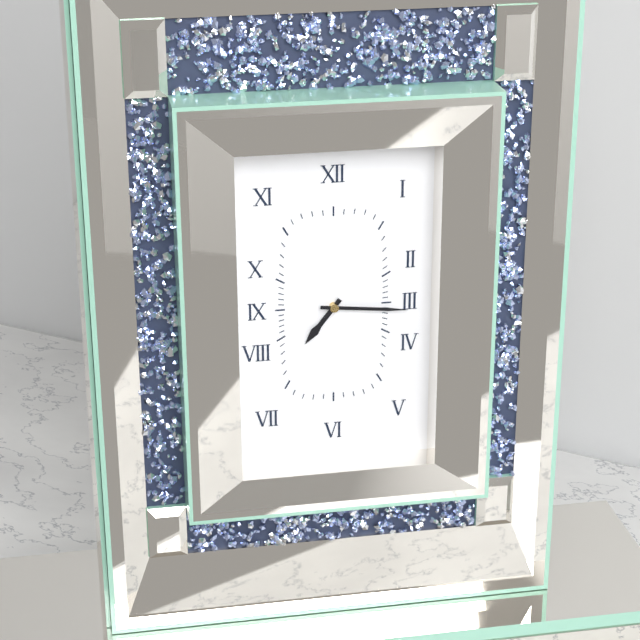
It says 7:16
